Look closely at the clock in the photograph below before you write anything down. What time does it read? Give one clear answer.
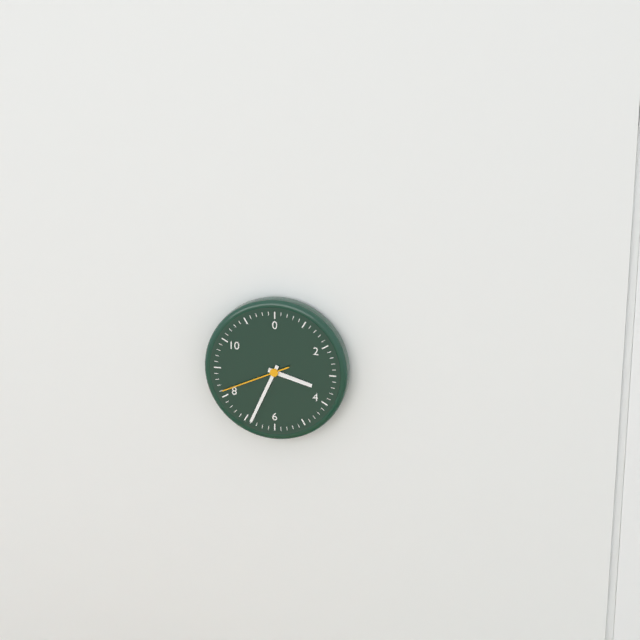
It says 3:34:41
